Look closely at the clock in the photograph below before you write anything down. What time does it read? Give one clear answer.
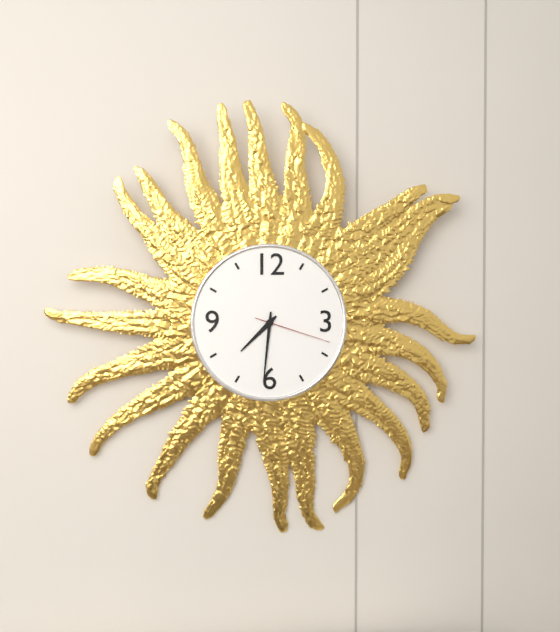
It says 7:31:18
